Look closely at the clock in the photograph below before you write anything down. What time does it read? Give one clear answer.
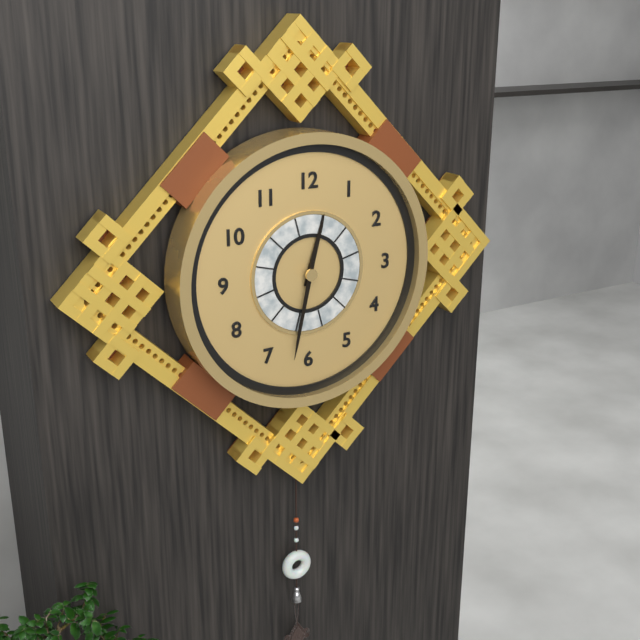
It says 12:32
